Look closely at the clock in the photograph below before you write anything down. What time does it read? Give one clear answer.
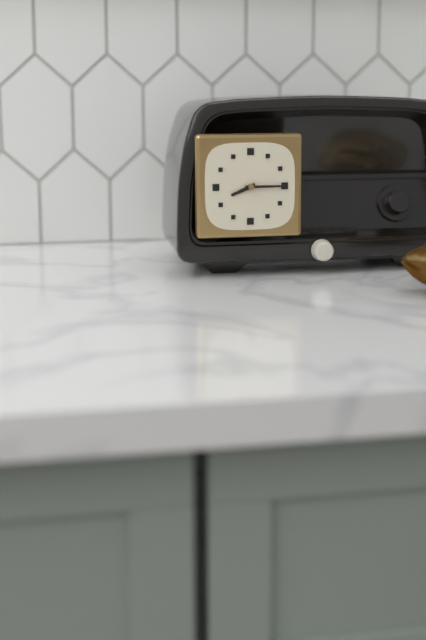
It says 8:15
